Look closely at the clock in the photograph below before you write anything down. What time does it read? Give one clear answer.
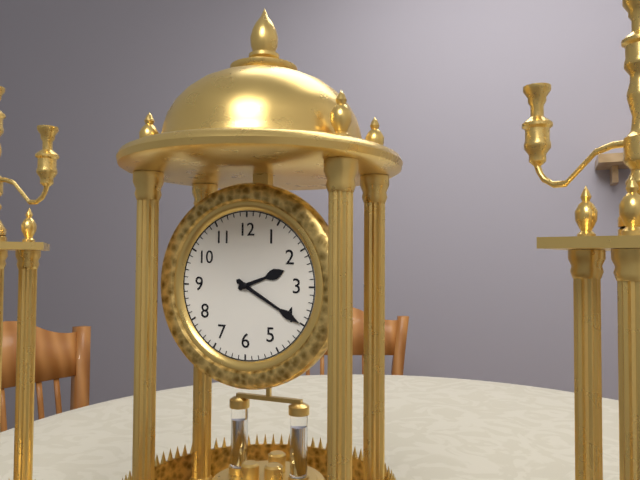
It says 2:20
